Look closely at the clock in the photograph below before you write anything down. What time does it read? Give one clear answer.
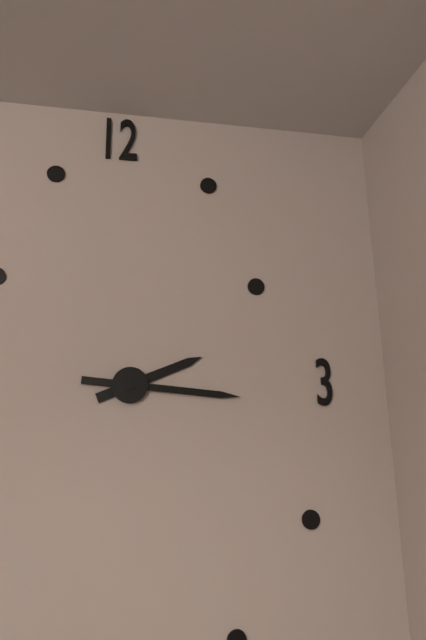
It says 2:16
